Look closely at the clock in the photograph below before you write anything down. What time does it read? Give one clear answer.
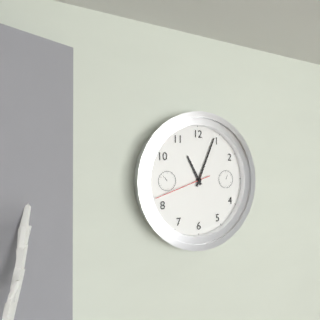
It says 11:04:42
